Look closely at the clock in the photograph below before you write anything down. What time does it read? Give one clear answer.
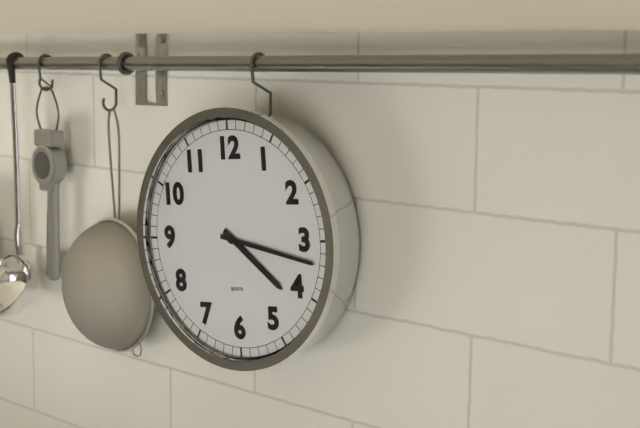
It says 4:17
